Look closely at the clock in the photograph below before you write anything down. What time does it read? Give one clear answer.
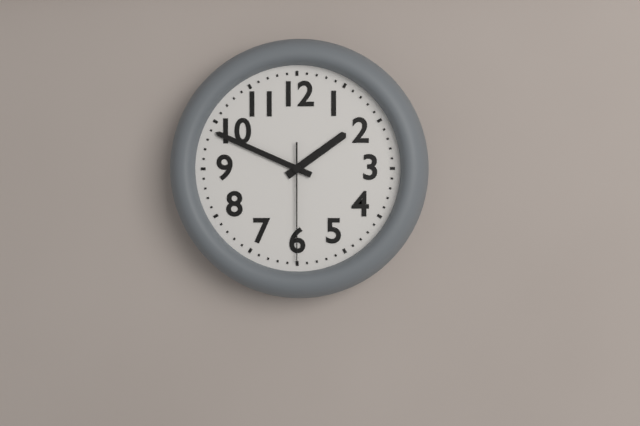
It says 1:49:30
